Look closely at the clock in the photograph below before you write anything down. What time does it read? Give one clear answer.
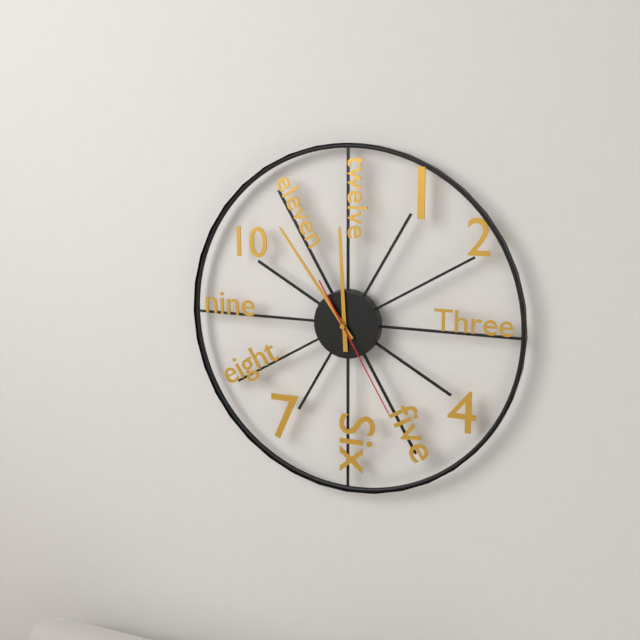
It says 11:54:25
